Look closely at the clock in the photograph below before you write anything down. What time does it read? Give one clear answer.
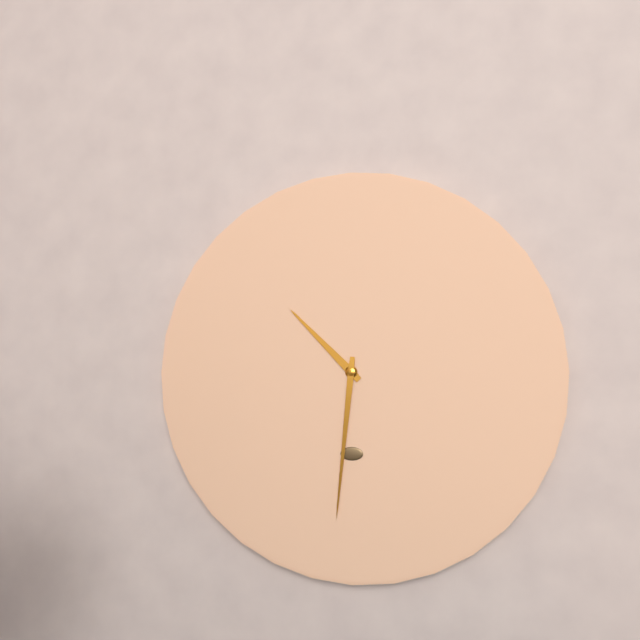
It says 10:31
